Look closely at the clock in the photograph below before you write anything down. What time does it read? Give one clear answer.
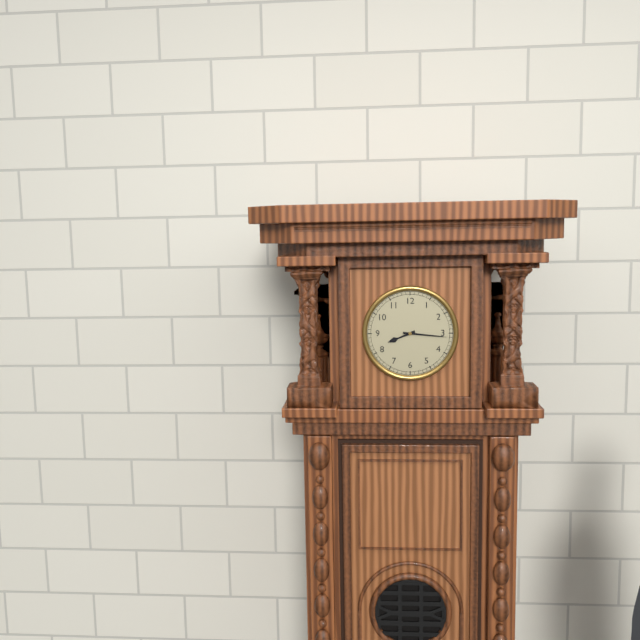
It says 8:16
